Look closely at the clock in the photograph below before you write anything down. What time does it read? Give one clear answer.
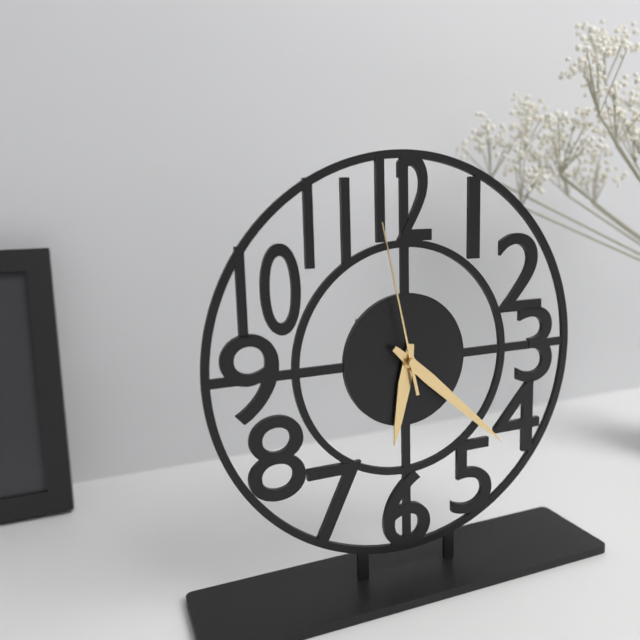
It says 6:22:58
